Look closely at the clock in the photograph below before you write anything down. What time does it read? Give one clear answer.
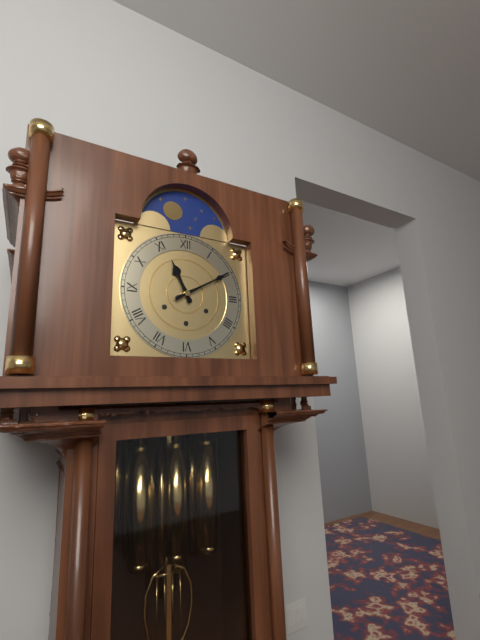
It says 11:10
